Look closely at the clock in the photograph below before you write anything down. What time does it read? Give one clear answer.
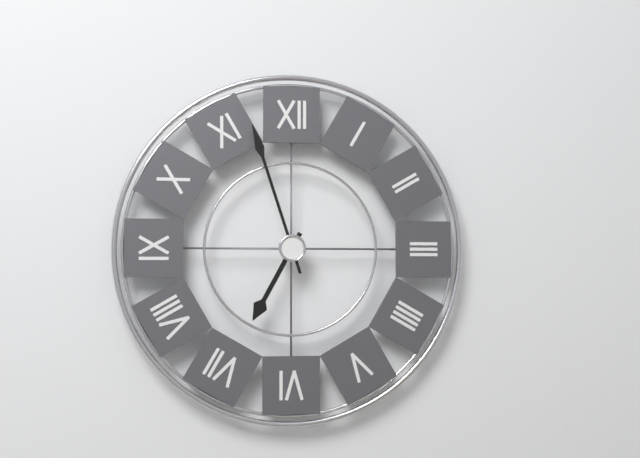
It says 6:57
